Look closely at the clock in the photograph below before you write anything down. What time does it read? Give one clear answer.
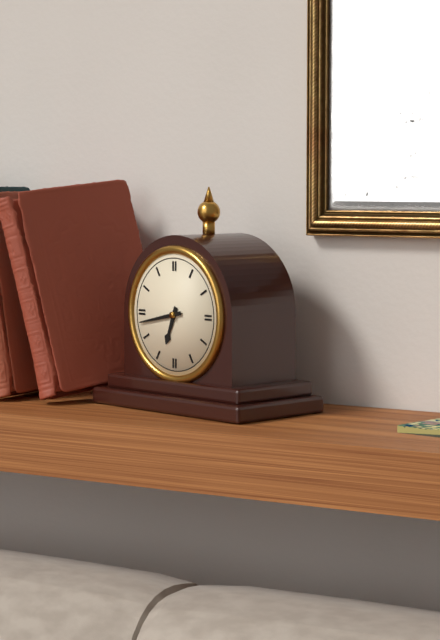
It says 6:43
